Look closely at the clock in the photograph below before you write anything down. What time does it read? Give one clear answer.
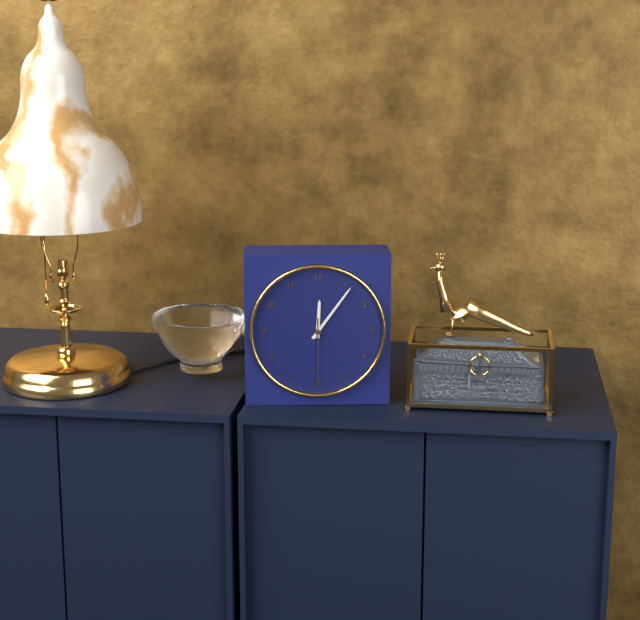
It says 12:06:30
